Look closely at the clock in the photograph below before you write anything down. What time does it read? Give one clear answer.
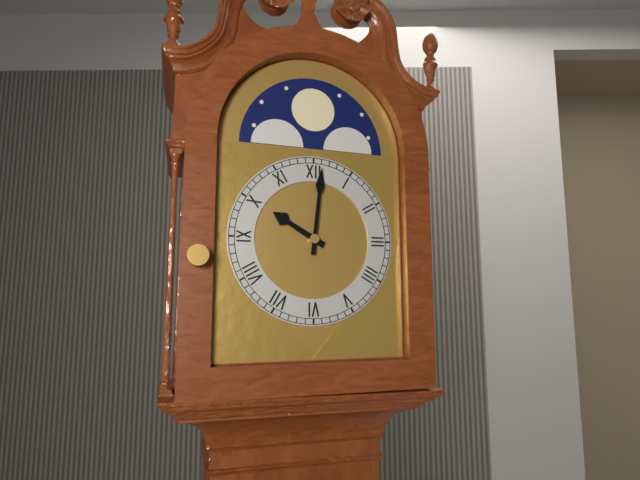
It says 10:01
